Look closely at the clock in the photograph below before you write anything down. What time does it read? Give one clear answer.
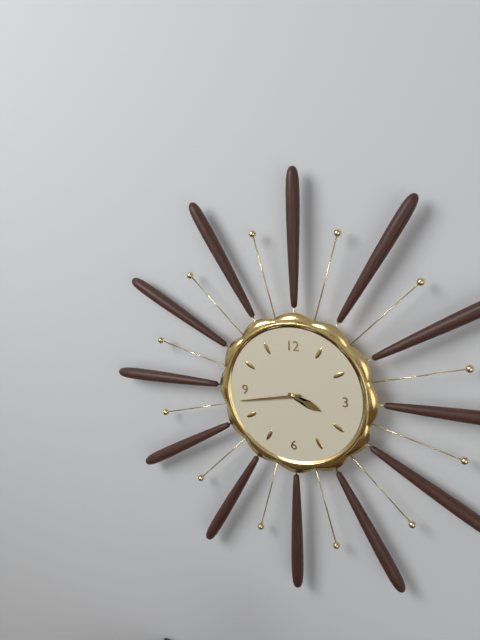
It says 3:43
